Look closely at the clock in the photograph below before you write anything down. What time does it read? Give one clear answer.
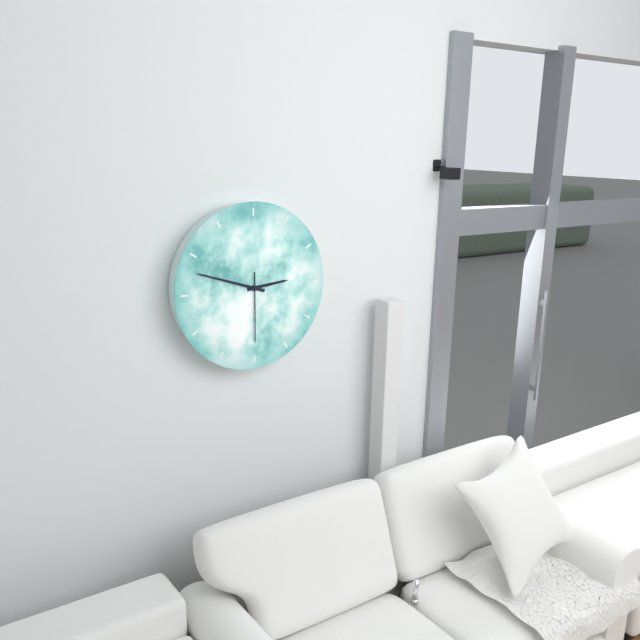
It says 2:48:30
